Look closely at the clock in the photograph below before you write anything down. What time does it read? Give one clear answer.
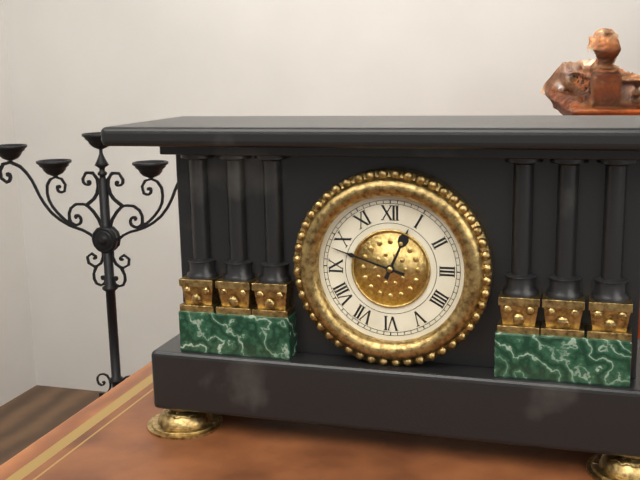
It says 12:48
